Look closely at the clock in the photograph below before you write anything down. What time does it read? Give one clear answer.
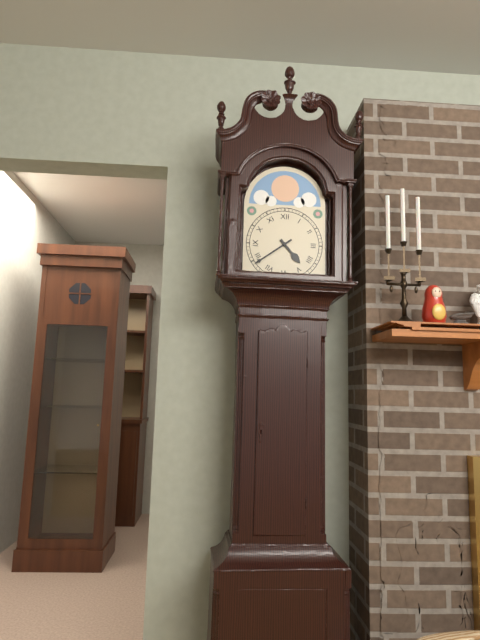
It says 4:39
